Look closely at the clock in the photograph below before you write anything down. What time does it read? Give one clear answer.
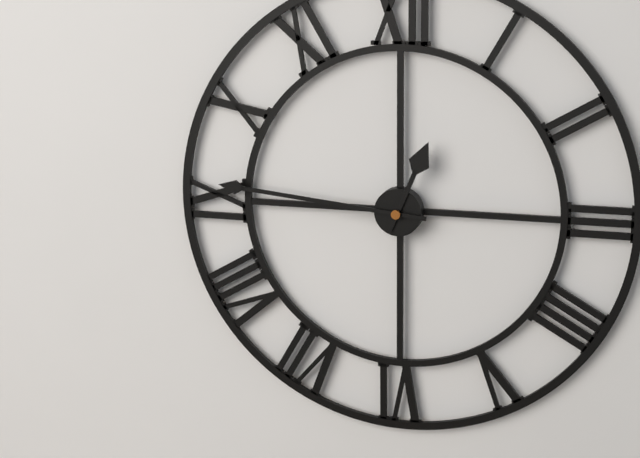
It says 12:46
